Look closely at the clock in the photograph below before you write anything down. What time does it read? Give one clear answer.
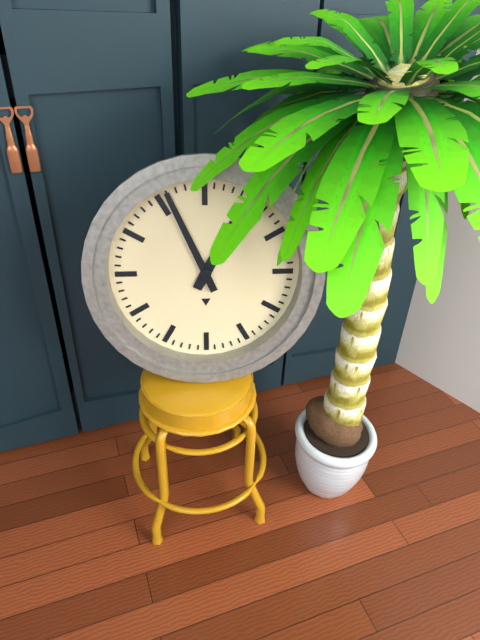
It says 12:56
